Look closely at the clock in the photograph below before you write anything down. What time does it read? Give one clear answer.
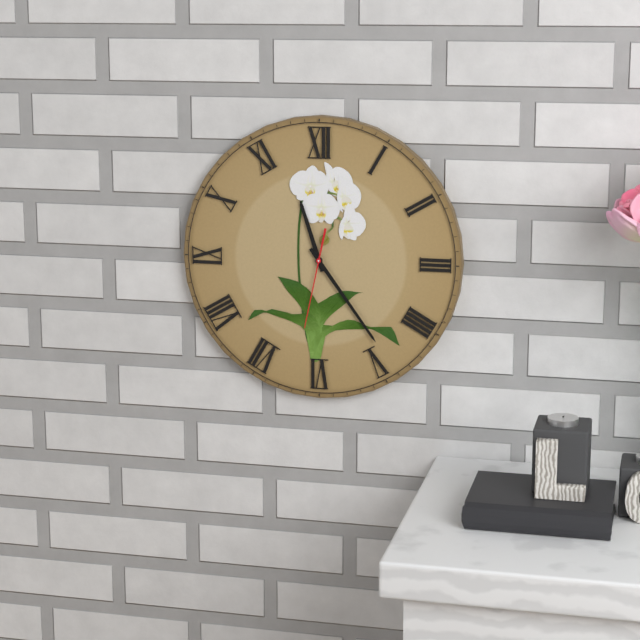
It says 11:24:32
